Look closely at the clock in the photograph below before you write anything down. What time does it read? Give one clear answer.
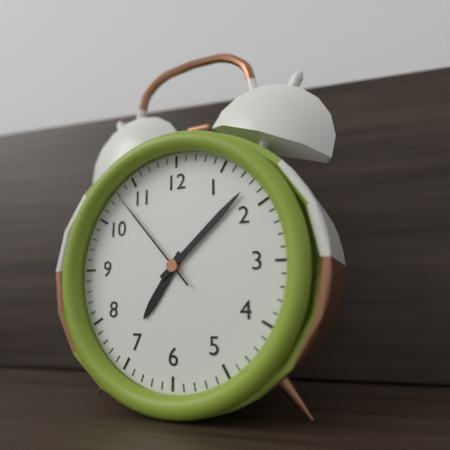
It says 7:08:53
